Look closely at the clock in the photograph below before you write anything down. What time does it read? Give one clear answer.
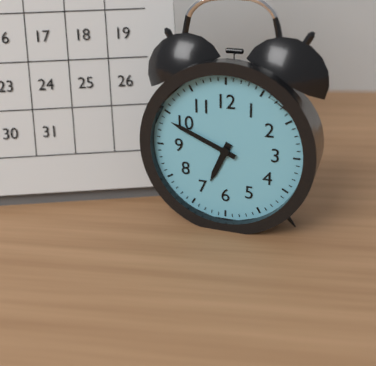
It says 6:49
